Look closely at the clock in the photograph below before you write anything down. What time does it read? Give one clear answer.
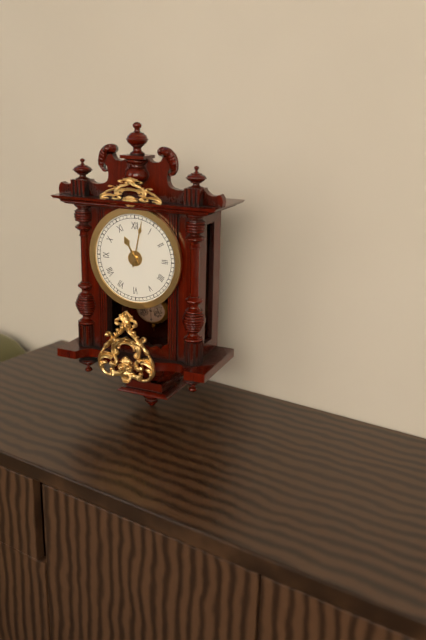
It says 11:02
